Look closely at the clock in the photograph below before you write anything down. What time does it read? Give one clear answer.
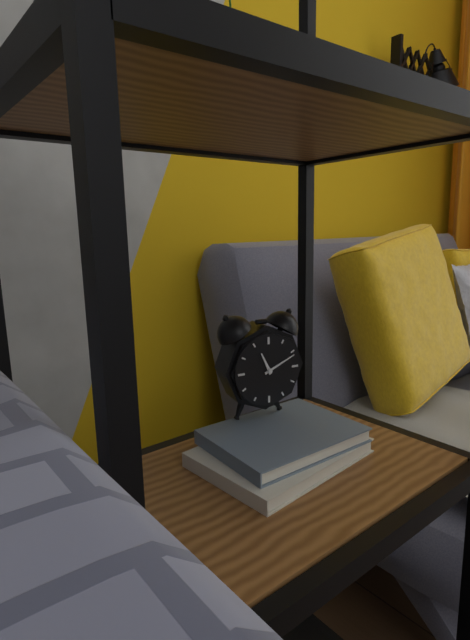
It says 11:11
